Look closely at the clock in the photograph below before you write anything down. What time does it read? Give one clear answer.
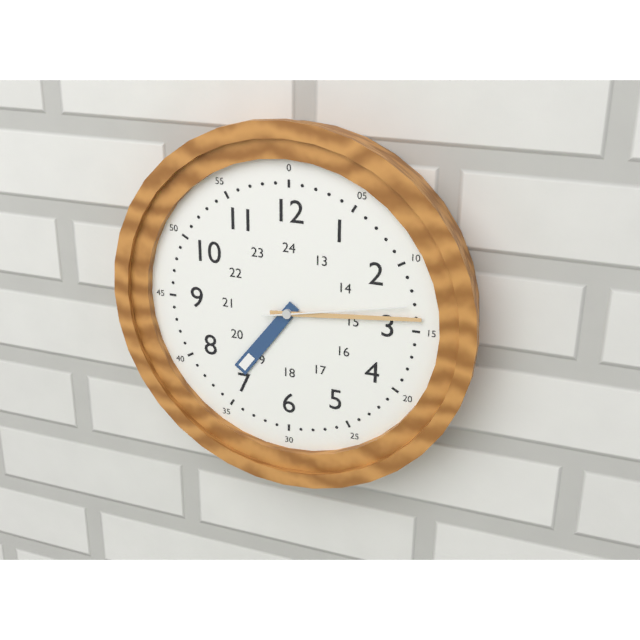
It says 7:14:13
